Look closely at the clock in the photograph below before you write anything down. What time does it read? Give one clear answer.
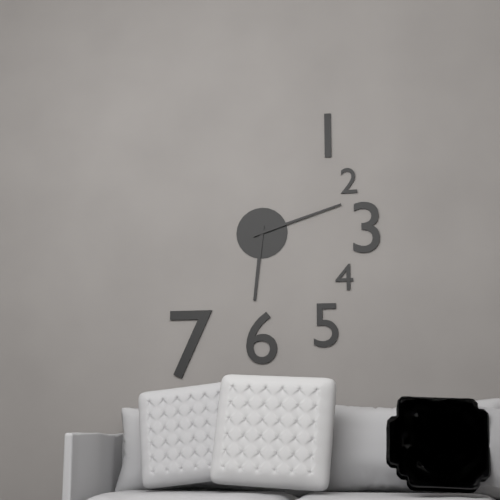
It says 6:12
